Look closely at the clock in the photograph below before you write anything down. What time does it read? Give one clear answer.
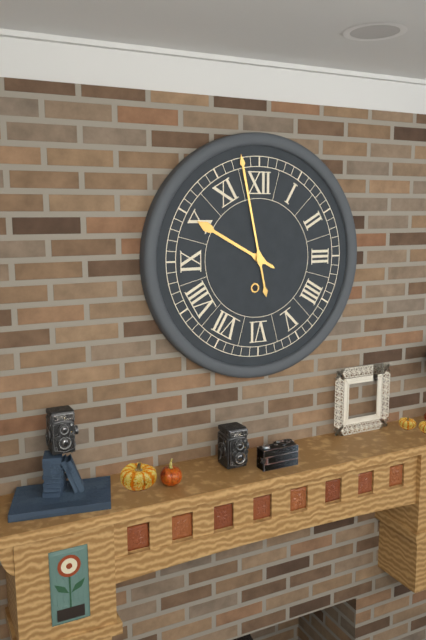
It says 9:58
